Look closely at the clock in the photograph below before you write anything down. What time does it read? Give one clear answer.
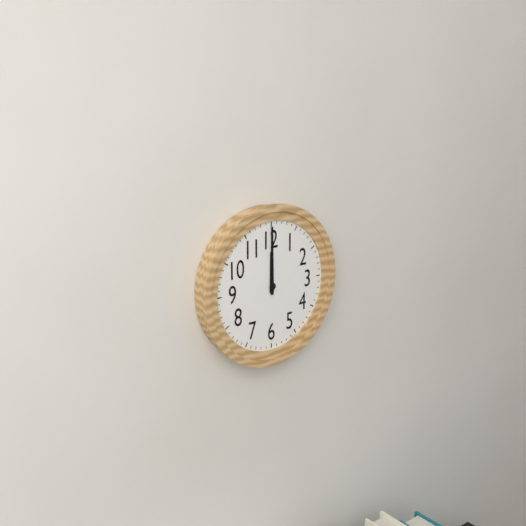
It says 12:00
